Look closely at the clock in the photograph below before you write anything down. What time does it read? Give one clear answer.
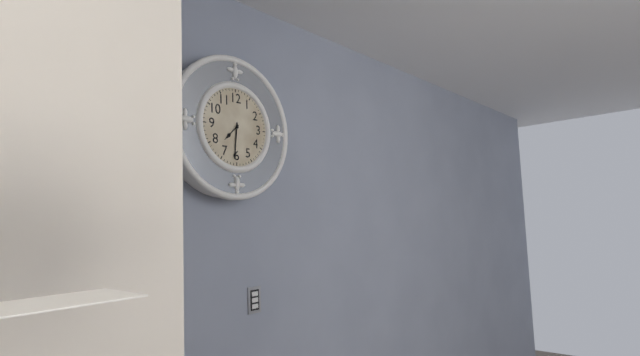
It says 7:31
